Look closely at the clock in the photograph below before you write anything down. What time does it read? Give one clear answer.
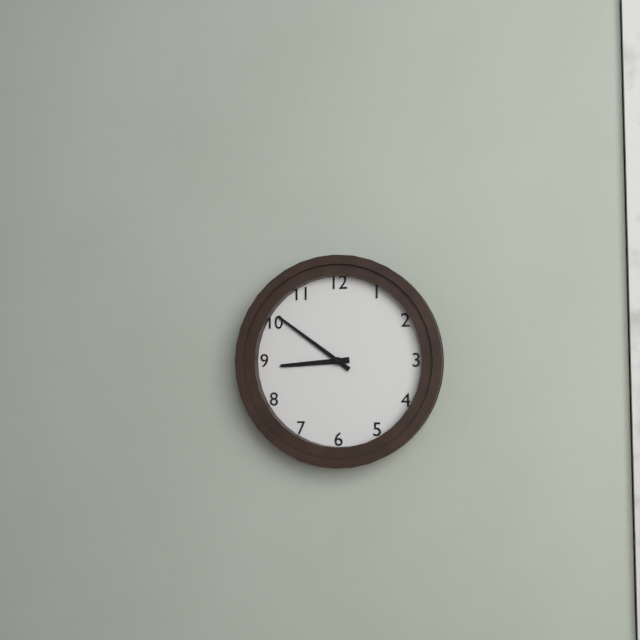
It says 8:51
